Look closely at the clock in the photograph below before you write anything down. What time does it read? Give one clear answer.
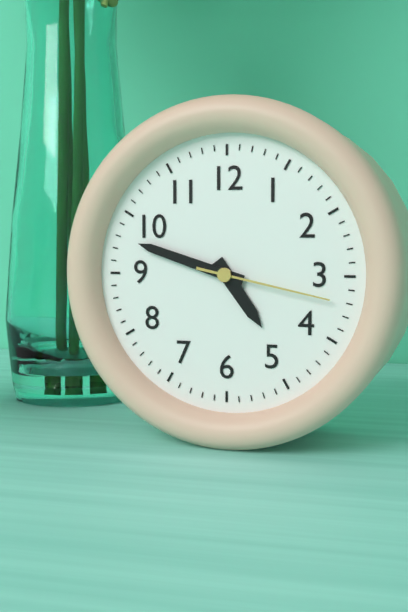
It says 4:48:17
